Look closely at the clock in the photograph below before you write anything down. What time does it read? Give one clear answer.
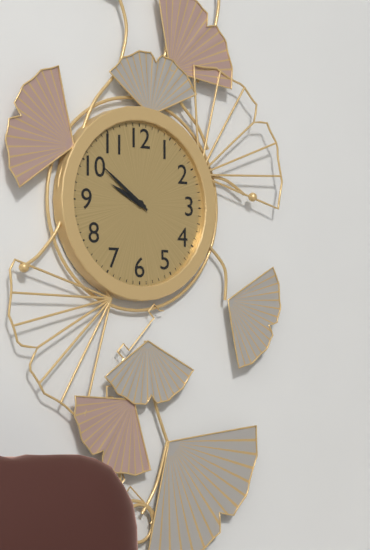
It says 9:51
